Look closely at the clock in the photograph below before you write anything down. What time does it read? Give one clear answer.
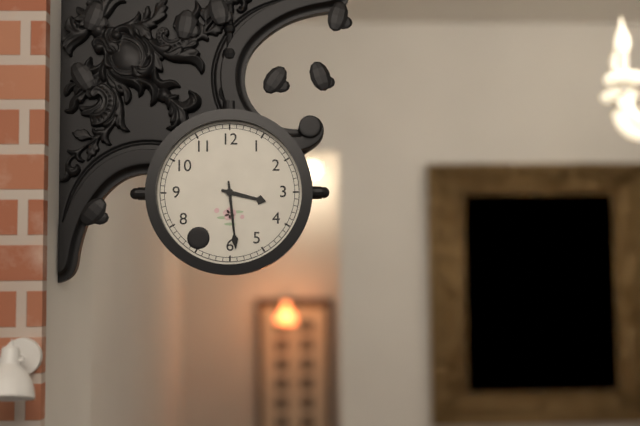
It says 3:29
